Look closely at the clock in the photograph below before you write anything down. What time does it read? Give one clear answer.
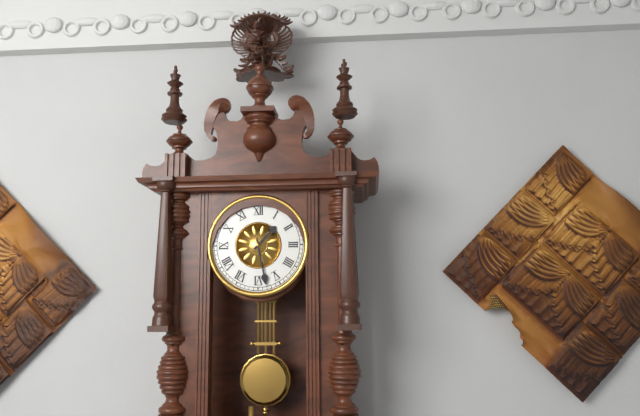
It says 1:28
